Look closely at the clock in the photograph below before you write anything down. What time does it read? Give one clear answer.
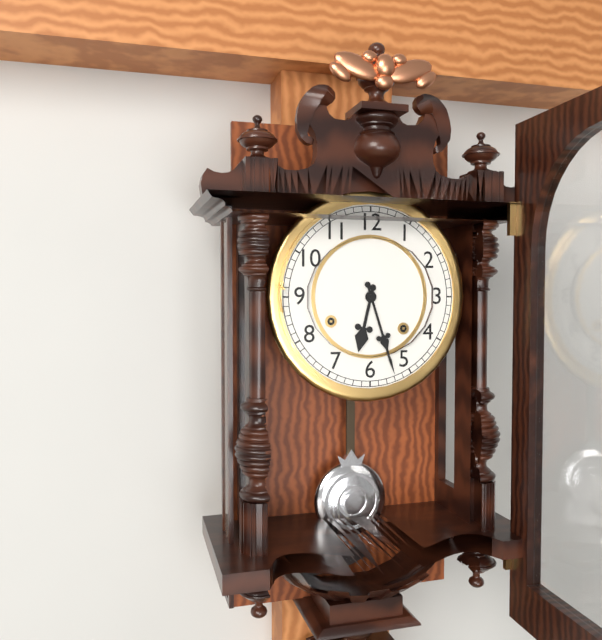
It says 6:27
